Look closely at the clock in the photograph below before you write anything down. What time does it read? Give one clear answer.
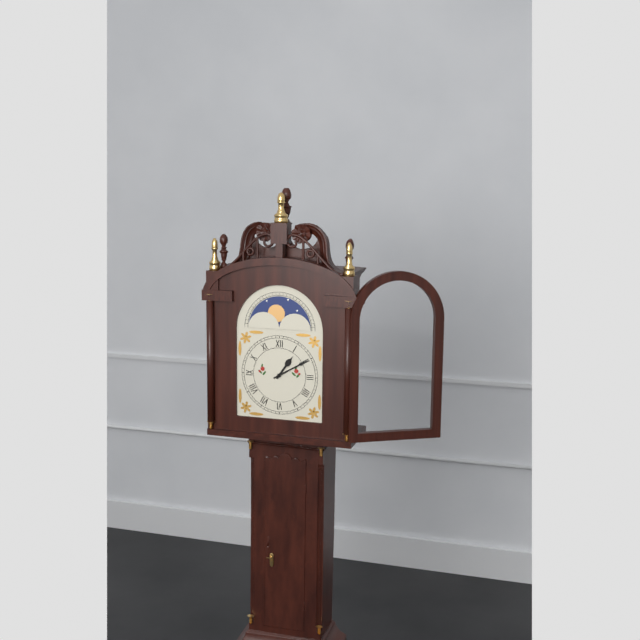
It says 1:10
